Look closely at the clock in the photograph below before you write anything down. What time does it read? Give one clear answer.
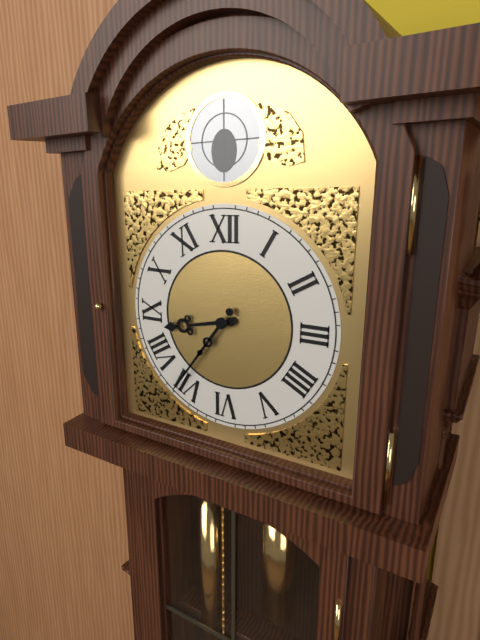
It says 8:36
